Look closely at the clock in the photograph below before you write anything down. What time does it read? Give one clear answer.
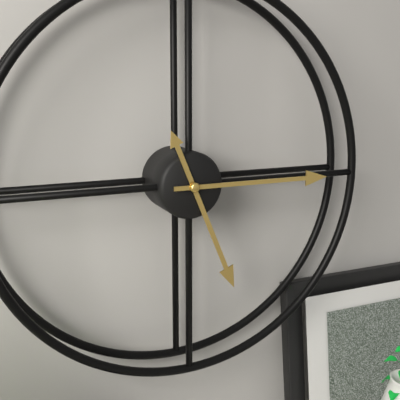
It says 5:15
